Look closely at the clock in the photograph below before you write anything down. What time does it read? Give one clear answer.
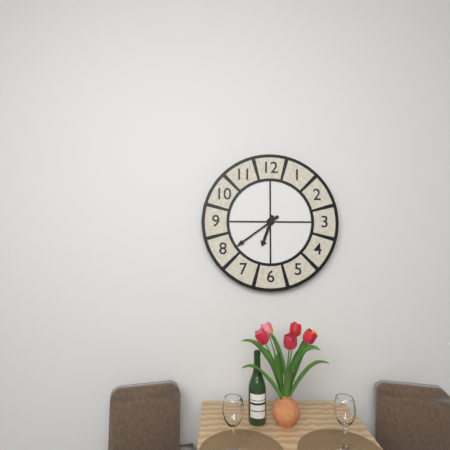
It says 6:39
